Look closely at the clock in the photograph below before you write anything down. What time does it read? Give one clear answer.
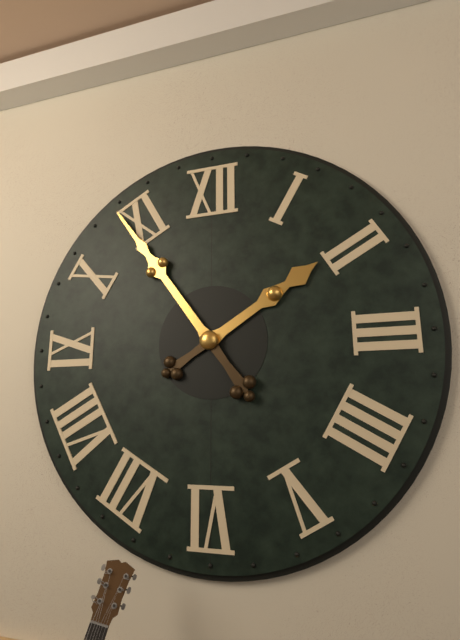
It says 1:54
